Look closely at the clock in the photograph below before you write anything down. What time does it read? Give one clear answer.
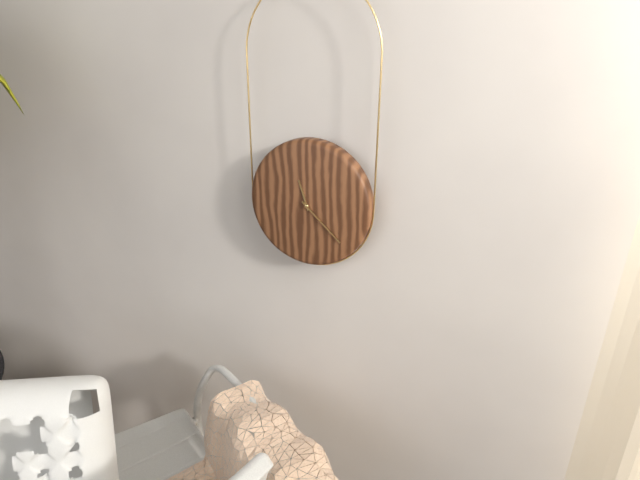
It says 11:22
